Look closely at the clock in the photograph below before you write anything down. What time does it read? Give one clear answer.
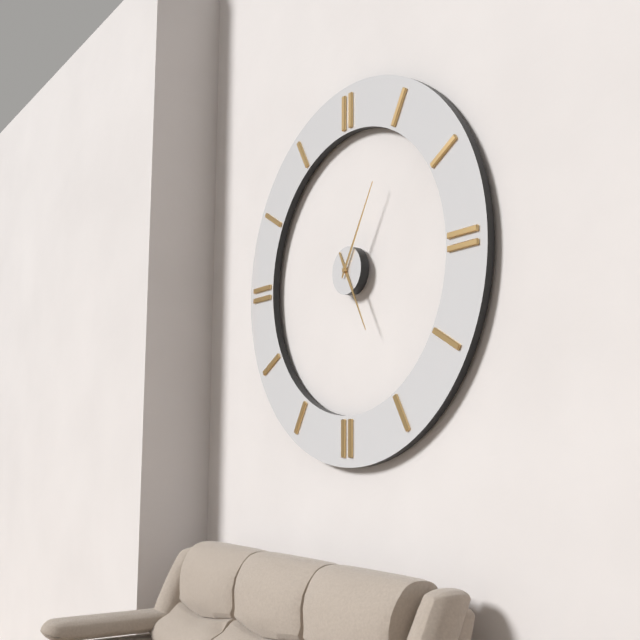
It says 5:05
